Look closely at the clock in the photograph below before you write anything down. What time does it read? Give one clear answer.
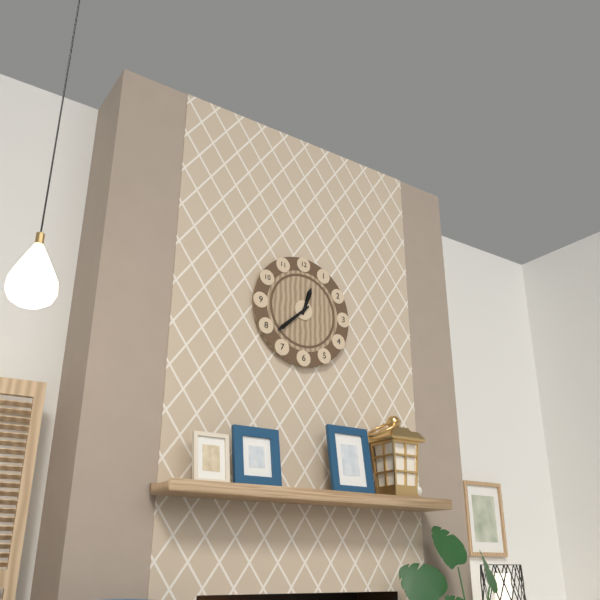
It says 12:38
